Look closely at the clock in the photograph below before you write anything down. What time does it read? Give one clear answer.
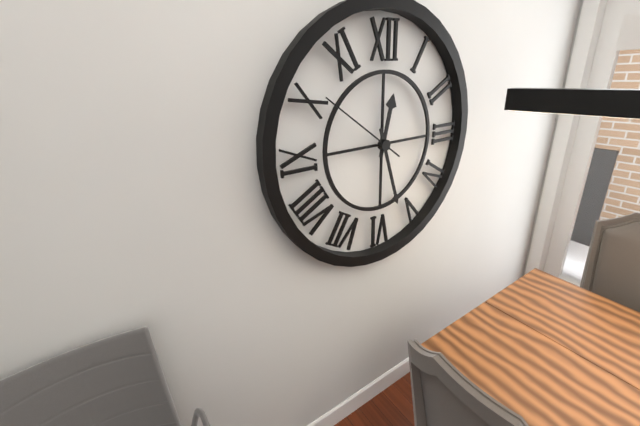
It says 12:27:51
